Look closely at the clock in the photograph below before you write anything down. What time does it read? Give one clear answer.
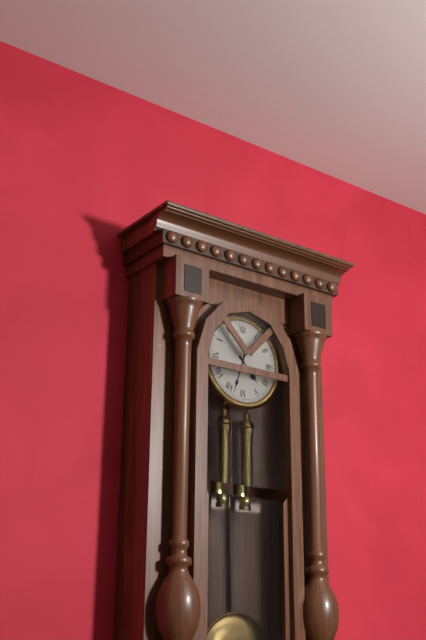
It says 4:33
